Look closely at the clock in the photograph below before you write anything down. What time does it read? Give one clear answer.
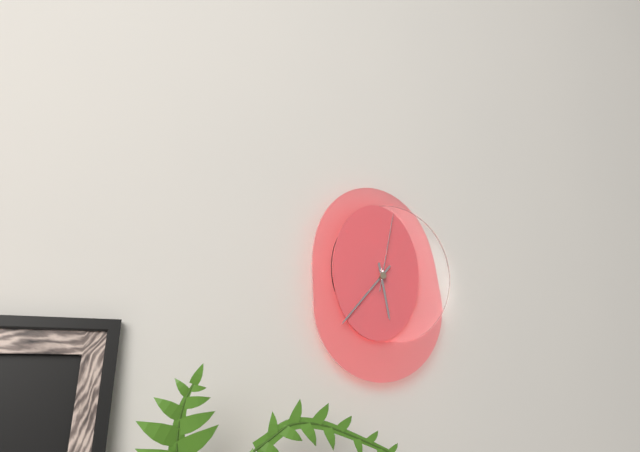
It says 5:37:02
